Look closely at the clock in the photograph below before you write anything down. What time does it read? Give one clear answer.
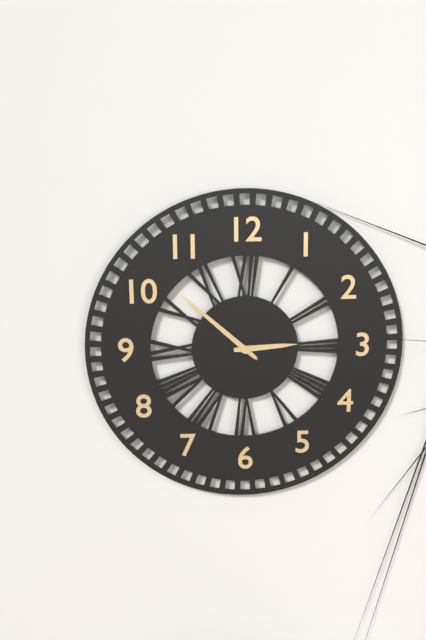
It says 2:52:52
